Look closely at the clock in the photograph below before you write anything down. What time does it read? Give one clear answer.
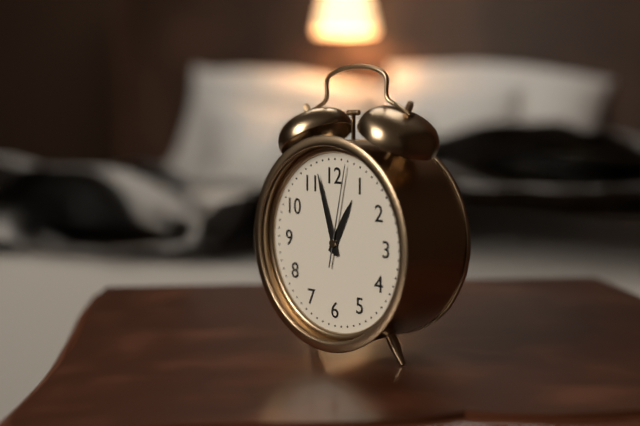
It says 12:57:02
